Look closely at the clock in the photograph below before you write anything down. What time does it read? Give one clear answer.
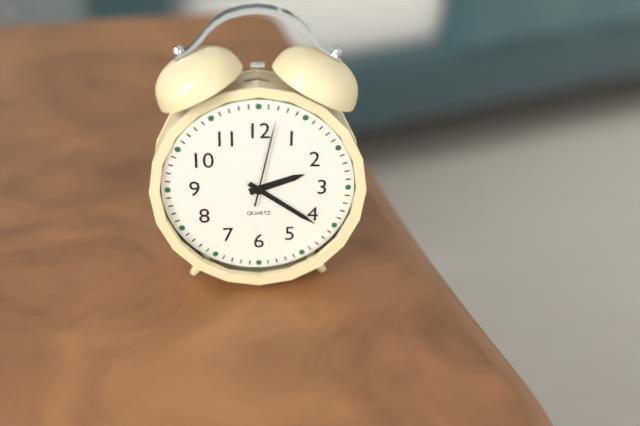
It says 2:21:02
